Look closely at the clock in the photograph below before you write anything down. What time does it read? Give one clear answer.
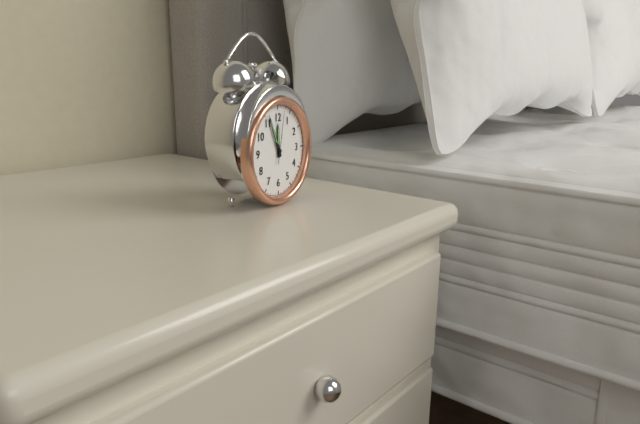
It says 11:56:02
